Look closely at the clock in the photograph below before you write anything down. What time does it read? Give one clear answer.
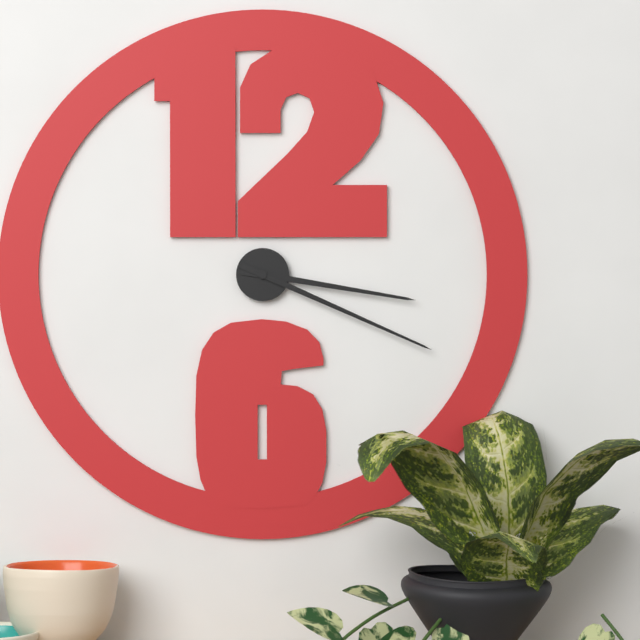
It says 3:19
